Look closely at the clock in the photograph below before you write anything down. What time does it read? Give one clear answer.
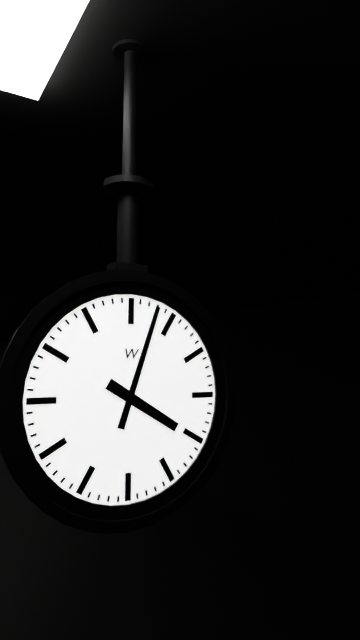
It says 4:03
